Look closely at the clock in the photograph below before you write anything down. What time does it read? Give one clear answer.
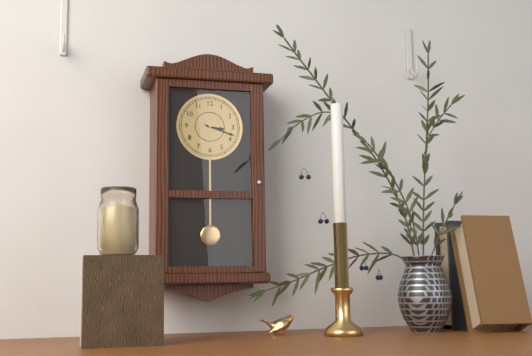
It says 3:18
